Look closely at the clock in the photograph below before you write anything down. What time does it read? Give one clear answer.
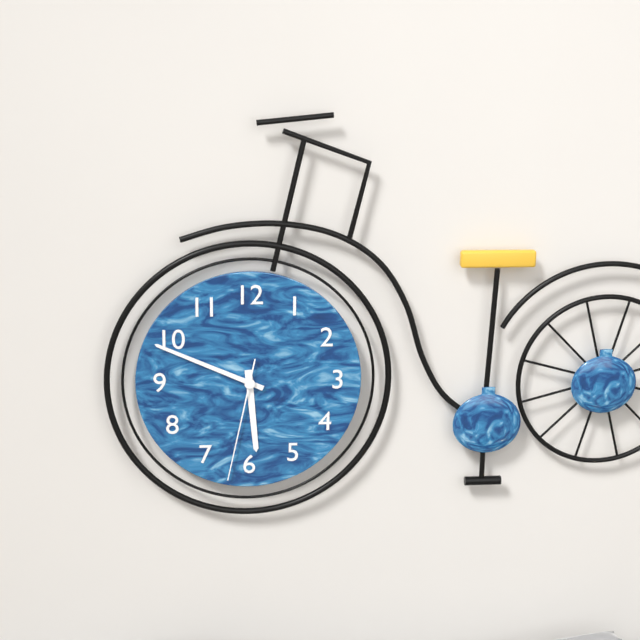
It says 5:49:32
